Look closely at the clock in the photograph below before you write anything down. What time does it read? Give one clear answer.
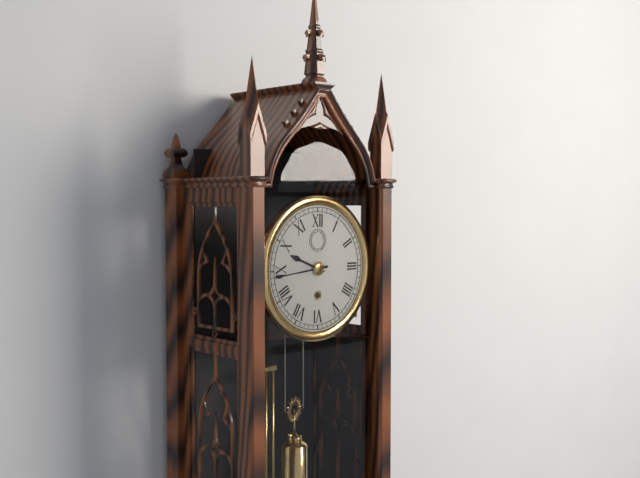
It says 9:44
